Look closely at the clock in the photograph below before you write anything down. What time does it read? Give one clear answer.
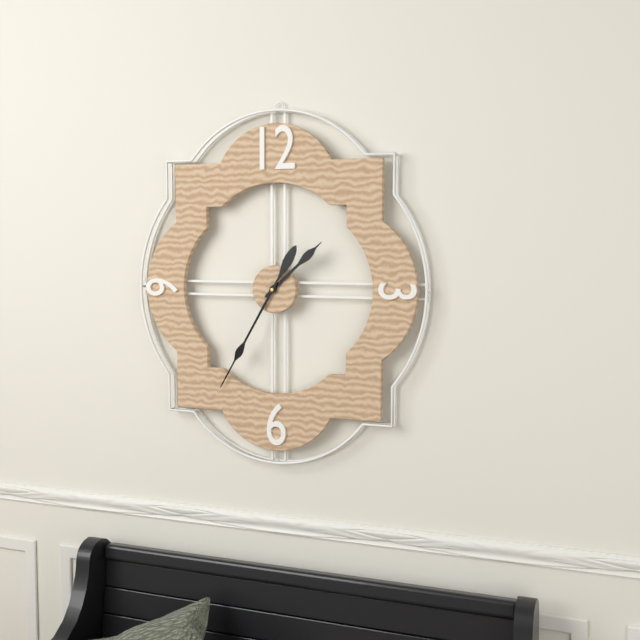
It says 1:35
